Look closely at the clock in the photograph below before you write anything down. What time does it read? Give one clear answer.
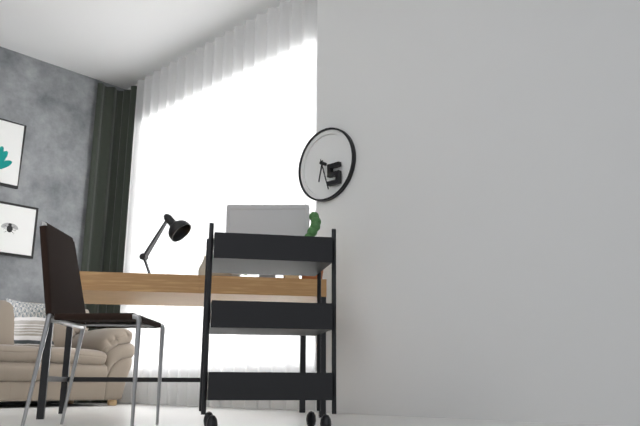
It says 6:27
